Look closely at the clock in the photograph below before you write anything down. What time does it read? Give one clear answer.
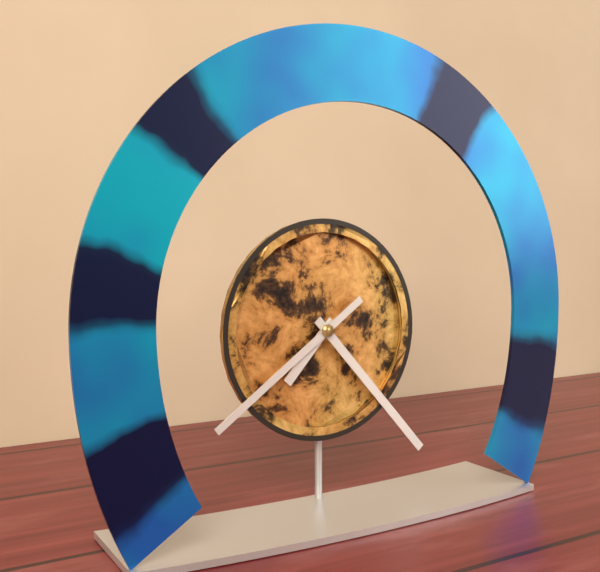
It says 7:23:39
